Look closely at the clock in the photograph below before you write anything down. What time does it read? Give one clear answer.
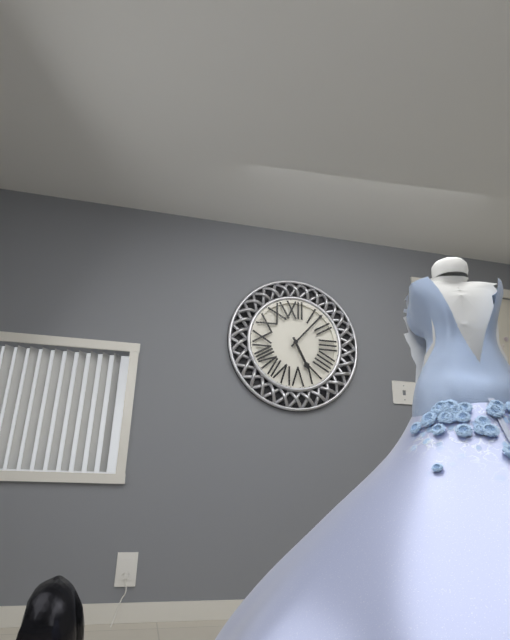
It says 5:07
